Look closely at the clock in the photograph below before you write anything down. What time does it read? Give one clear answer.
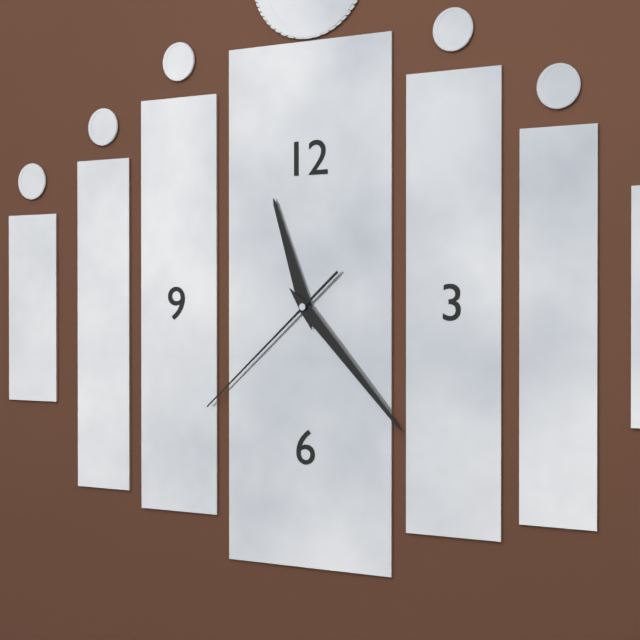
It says 11:23:38
